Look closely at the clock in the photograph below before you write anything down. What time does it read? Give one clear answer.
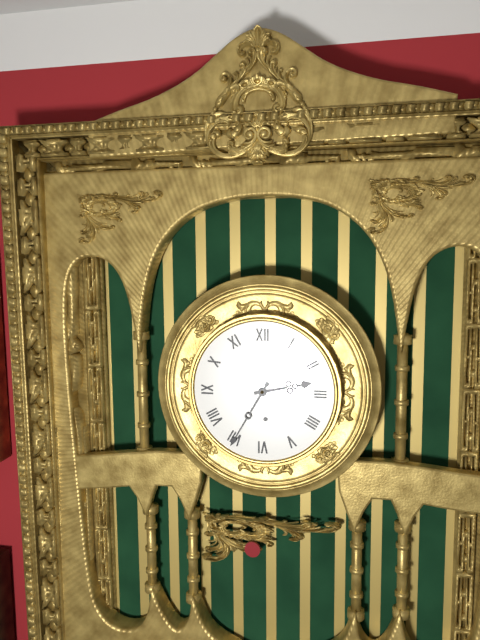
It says 2:35
